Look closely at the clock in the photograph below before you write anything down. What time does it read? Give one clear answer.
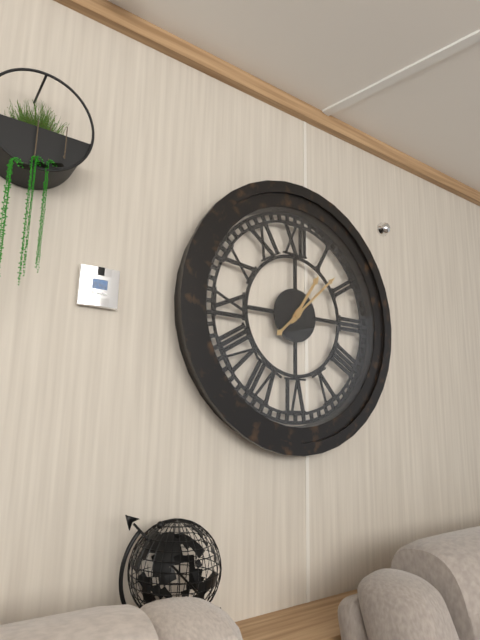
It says 1:08
